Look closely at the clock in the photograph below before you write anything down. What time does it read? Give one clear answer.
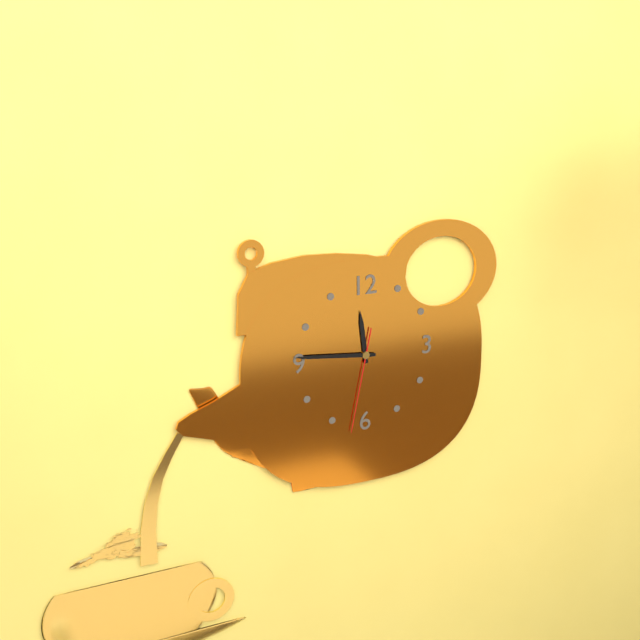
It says 11:46:32
